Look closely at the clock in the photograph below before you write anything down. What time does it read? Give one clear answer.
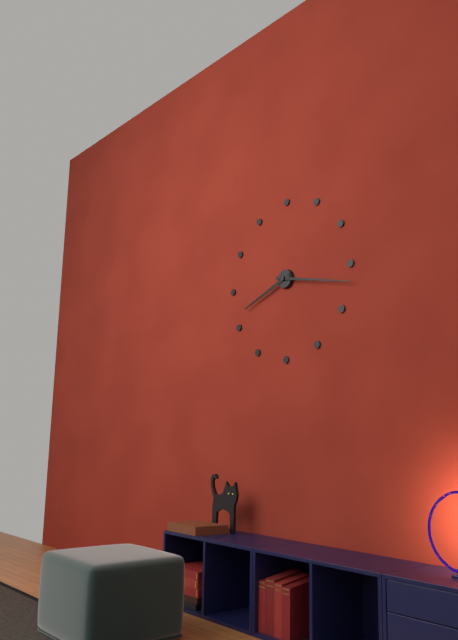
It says 8:17
